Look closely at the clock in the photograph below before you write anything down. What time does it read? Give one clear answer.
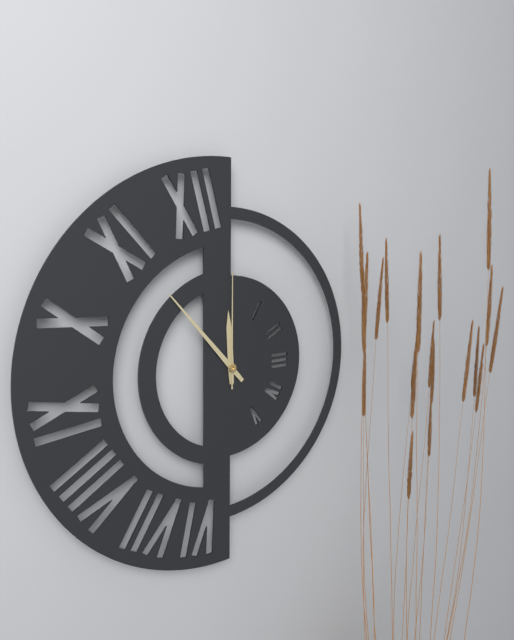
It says 11:53:00
